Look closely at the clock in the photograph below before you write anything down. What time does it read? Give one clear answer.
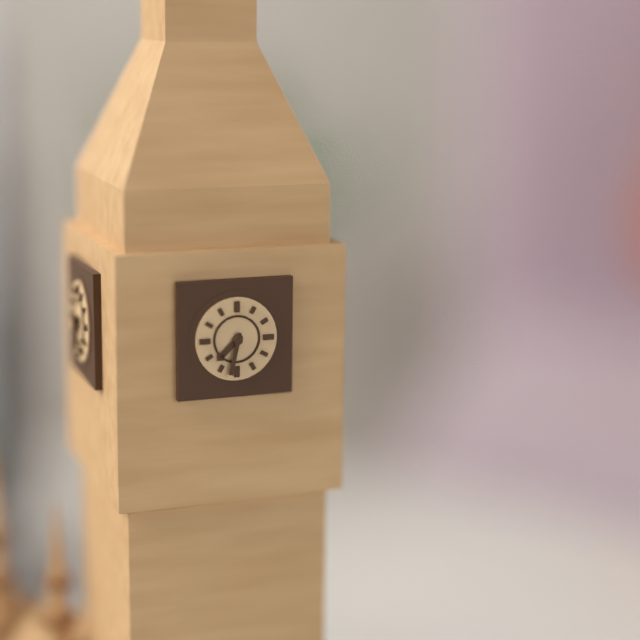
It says 7:32
